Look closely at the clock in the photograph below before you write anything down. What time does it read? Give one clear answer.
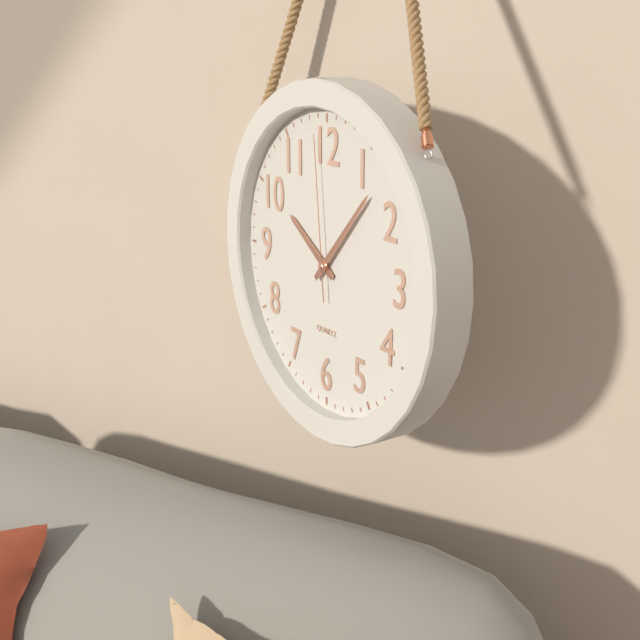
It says 10:07:59
